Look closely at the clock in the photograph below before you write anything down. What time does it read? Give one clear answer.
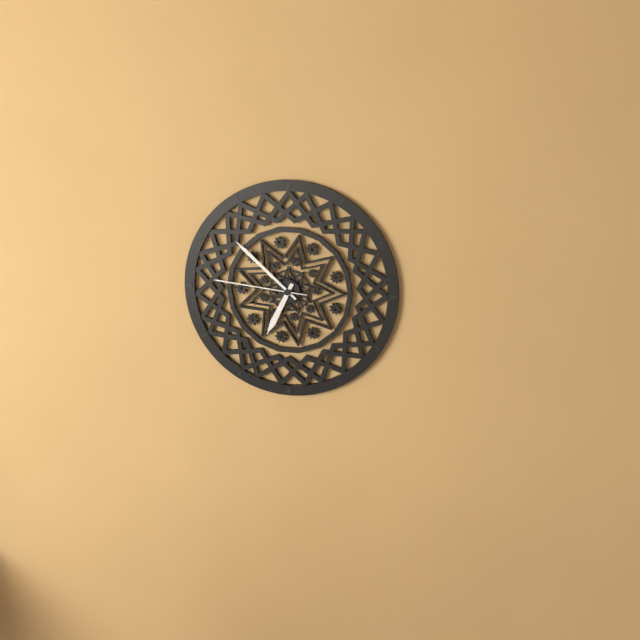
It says 6:52:46
